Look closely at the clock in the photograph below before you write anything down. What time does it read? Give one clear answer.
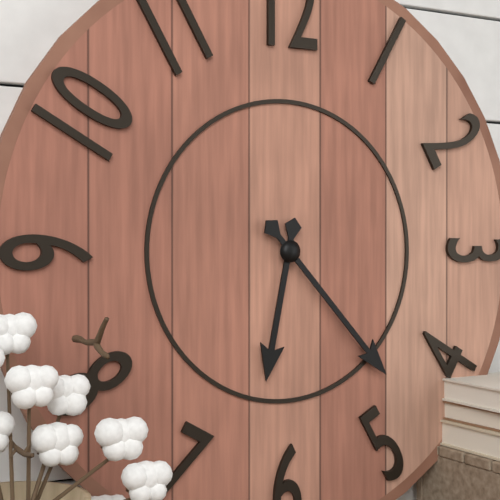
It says 6:23
